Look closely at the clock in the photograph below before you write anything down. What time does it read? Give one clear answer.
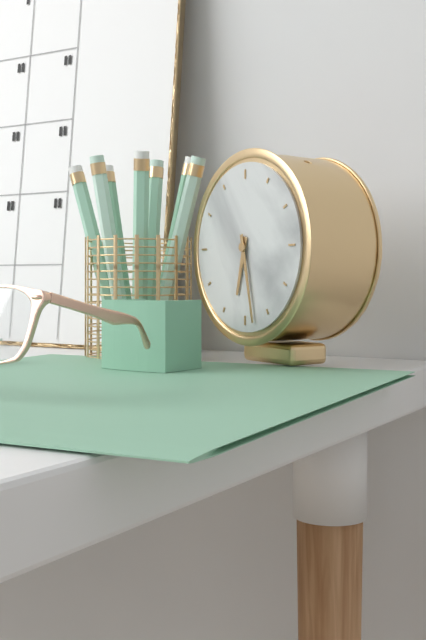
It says 6:28
